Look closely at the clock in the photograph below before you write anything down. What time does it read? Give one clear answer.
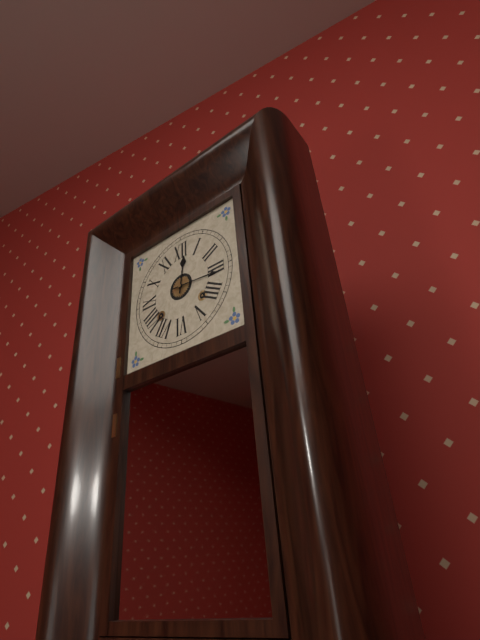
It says 12:16
